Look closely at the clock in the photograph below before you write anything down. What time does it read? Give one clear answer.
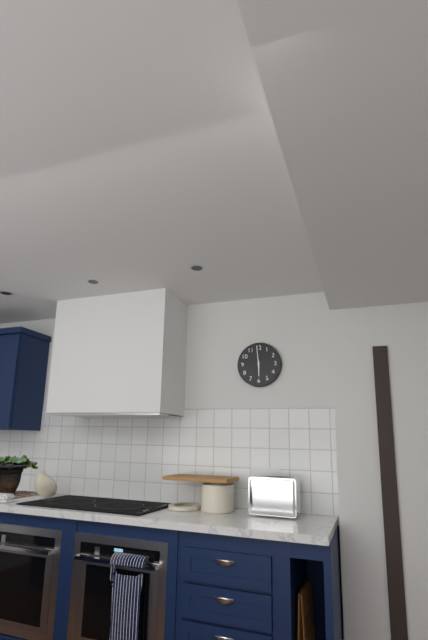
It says 5:59
